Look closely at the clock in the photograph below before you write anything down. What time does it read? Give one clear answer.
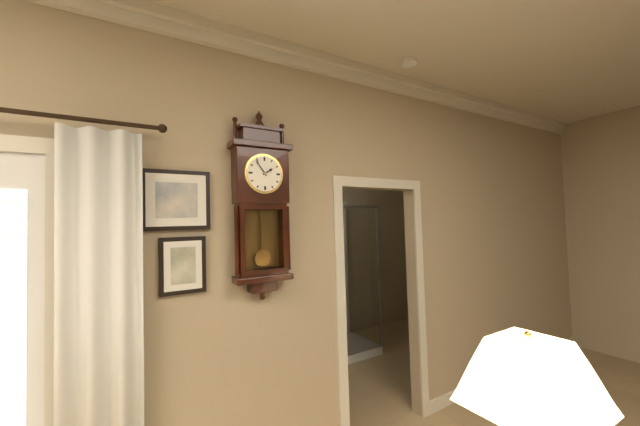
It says 1:54
